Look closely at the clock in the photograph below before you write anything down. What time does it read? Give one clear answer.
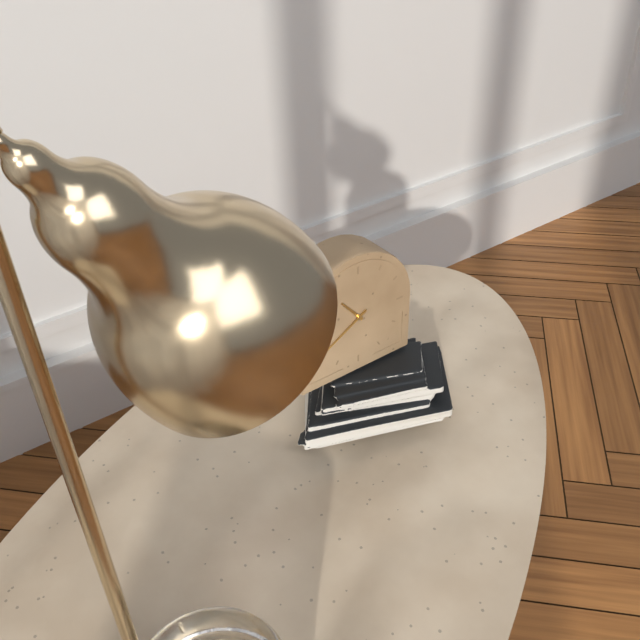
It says 10:40
